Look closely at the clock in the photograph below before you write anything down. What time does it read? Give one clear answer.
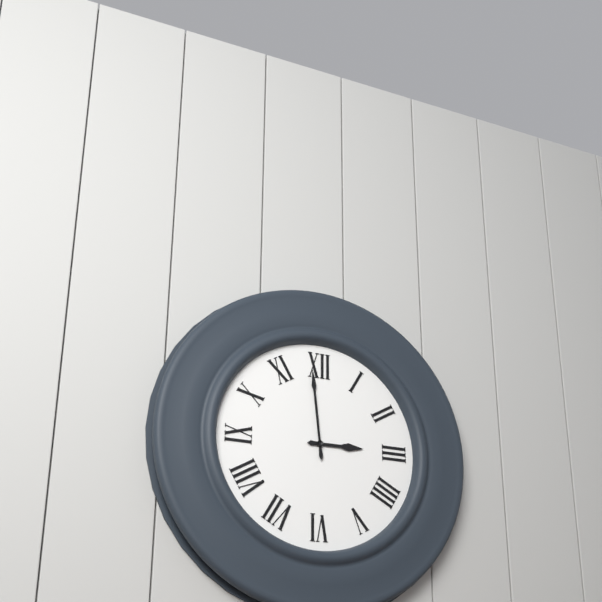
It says 2:59
